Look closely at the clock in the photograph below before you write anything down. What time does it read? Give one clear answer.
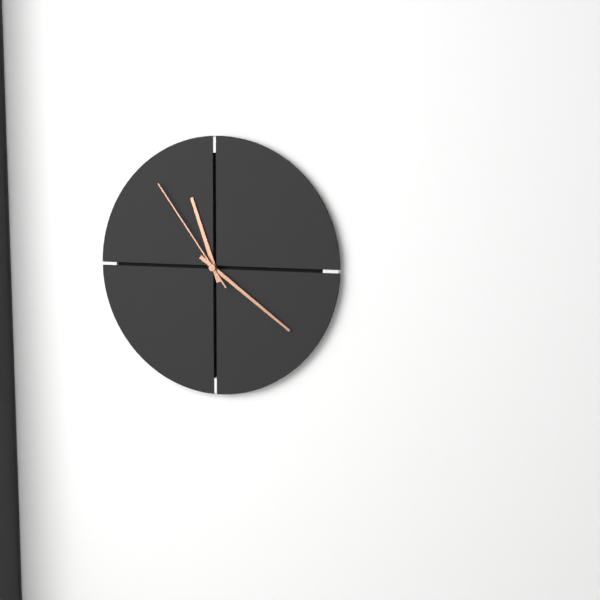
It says 11:21:54
